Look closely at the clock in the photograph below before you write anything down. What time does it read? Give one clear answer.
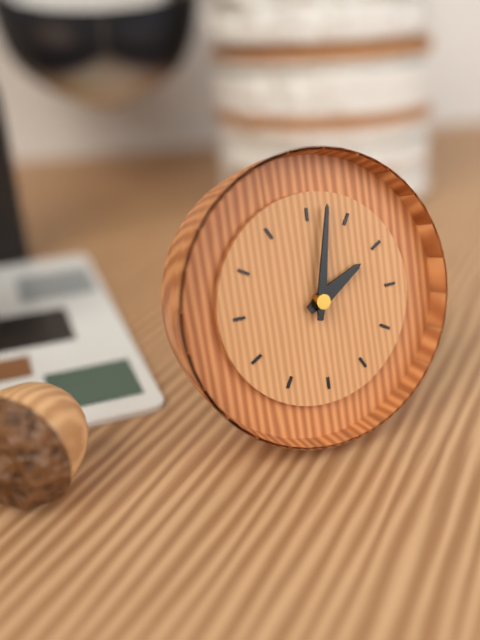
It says 2:02
